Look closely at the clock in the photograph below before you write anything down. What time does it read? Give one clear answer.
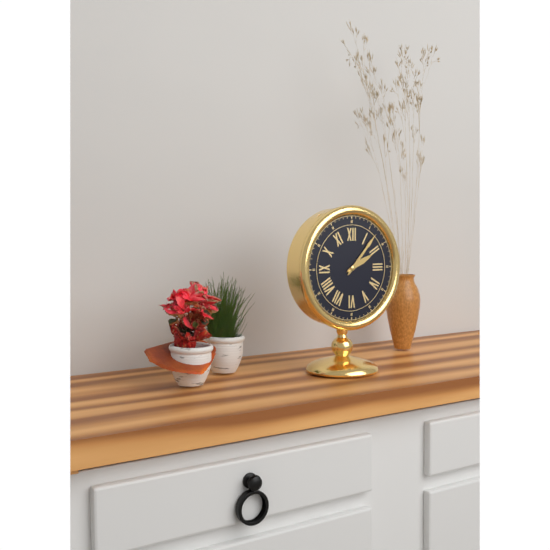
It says 2:07
